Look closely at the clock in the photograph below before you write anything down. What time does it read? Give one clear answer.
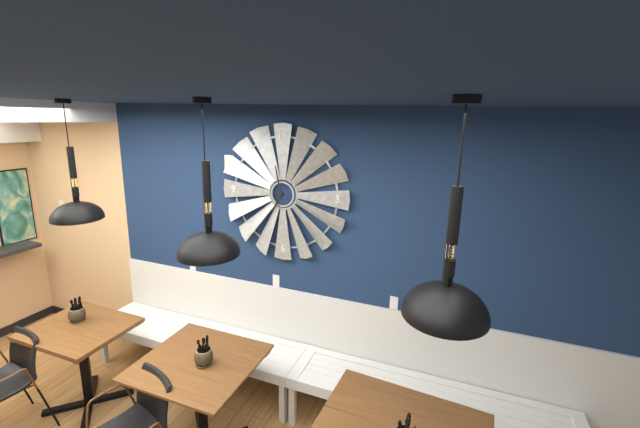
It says 6:58
